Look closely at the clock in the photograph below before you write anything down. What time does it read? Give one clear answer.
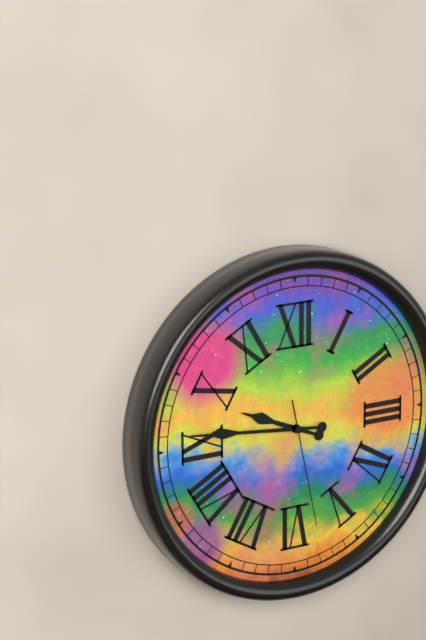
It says 9:46:28
